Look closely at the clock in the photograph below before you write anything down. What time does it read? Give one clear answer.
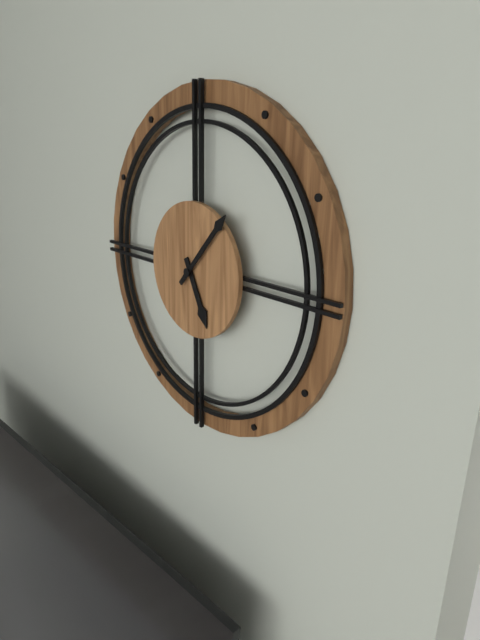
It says 5:07
